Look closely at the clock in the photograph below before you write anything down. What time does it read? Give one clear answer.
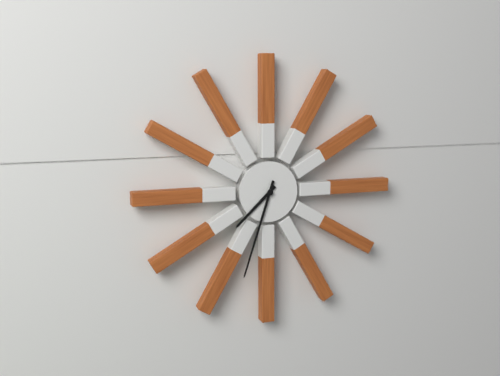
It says 7:33
